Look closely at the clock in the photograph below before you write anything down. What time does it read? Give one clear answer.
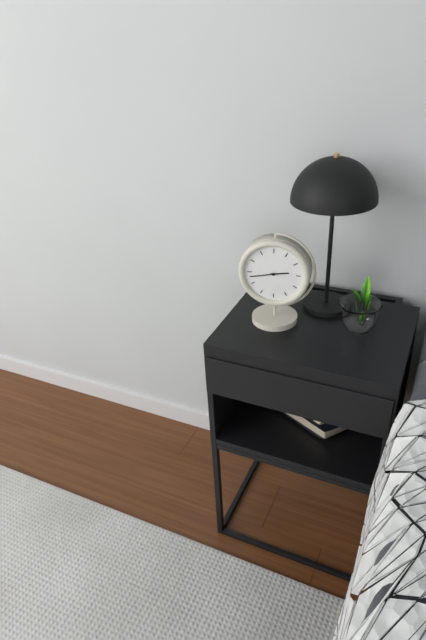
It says 2:43
